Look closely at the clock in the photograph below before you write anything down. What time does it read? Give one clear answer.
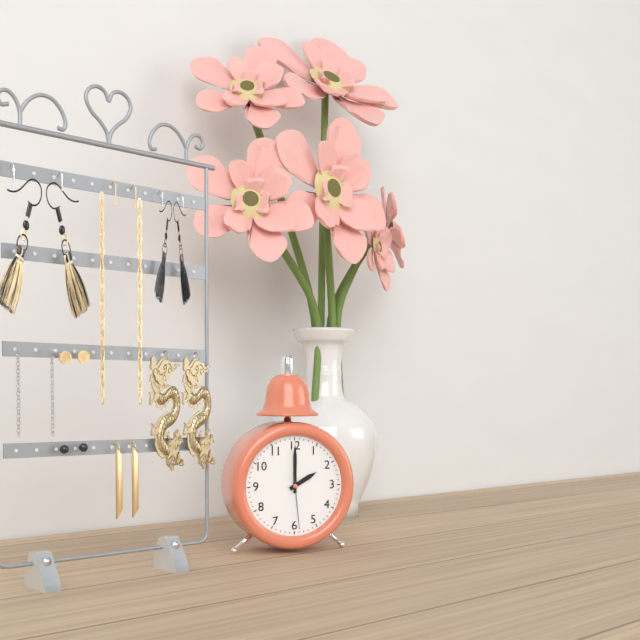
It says 2:00:29
